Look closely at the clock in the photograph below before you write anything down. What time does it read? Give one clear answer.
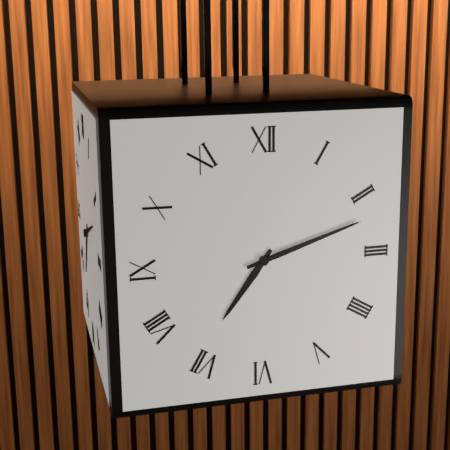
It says 7:12
